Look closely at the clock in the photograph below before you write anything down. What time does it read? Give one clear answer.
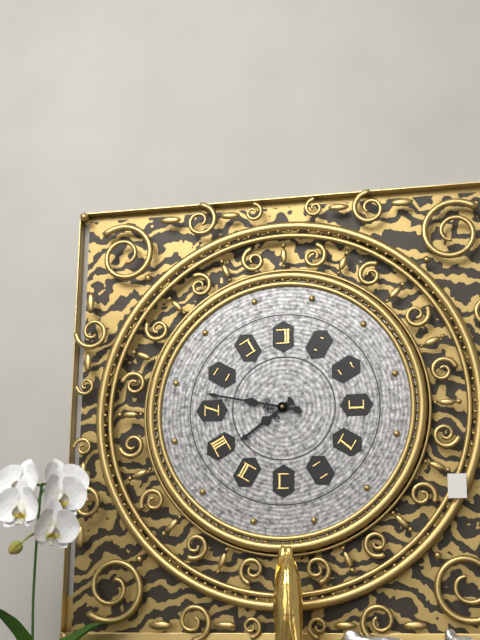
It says 7:47
